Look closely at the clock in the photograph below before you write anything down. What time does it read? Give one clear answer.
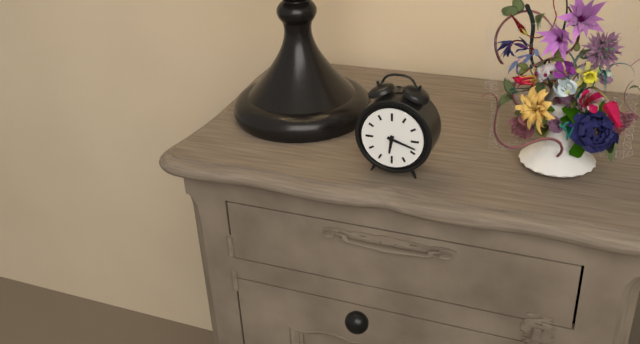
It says 6:18
